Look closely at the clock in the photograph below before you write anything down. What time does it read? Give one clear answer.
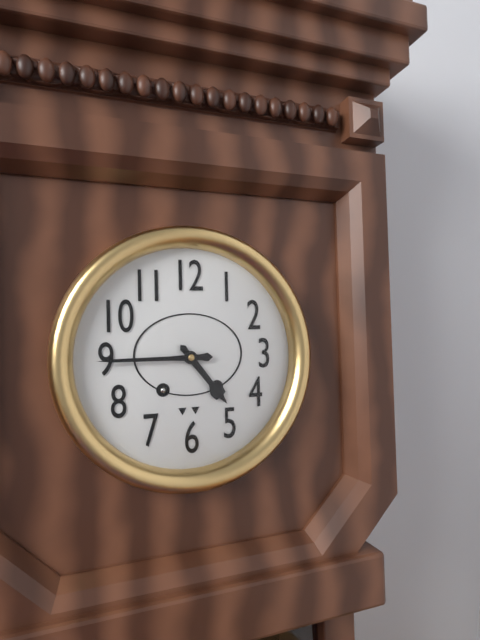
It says 4:45
